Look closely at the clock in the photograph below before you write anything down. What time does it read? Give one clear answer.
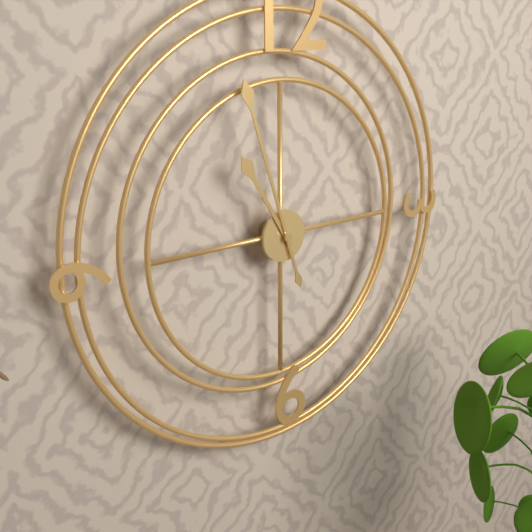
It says 10:57
